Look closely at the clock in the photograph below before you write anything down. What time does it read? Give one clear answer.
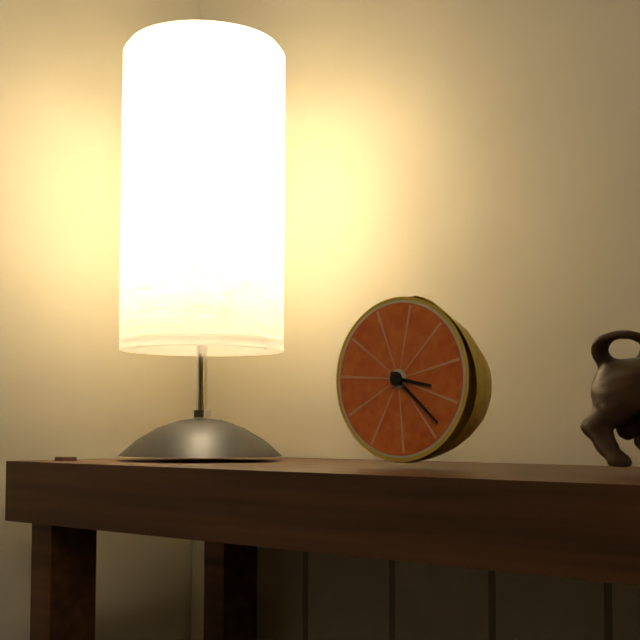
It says 3:22
